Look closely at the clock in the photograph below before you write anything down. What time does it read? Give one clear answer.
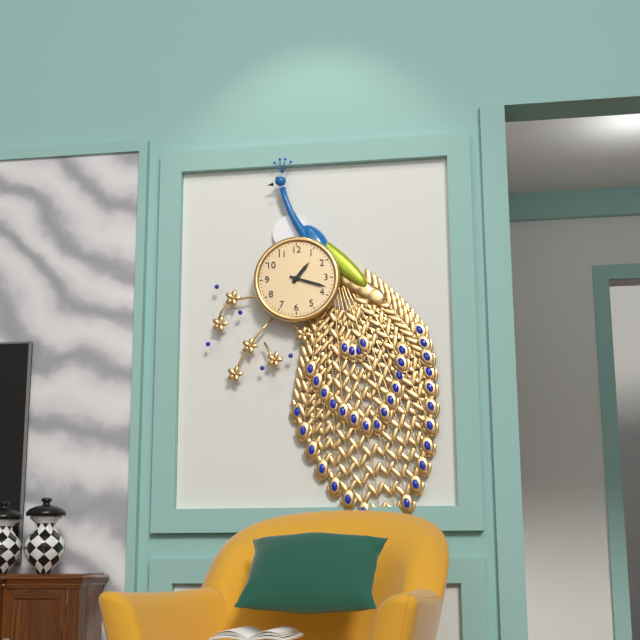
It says 1:18
